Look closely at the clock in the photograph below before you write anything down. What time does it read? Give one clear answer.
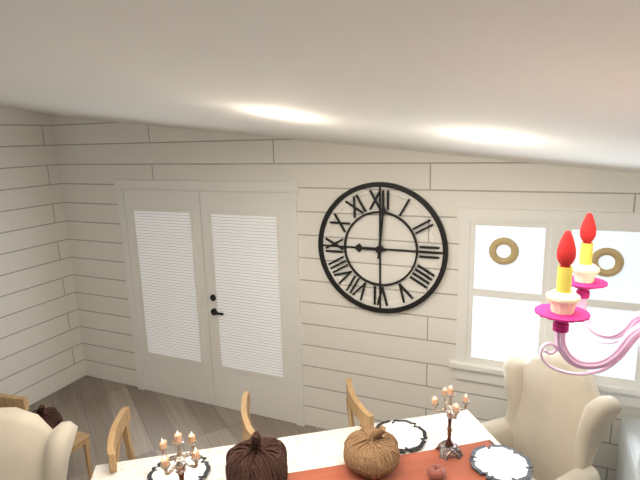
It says 9:01
